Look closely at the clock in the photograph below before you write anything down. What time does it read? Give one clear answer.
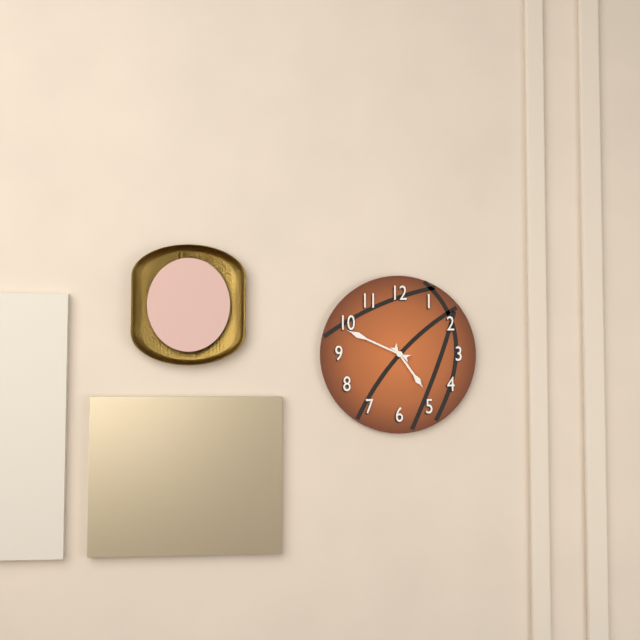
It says 4:49
